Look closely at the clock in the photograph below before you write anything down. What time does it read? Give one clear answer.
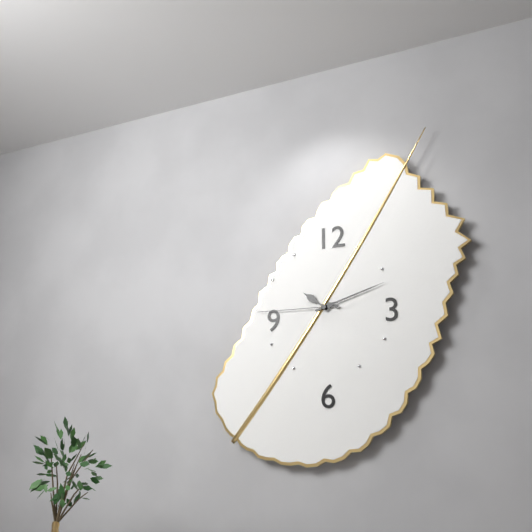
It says 10:12:45
